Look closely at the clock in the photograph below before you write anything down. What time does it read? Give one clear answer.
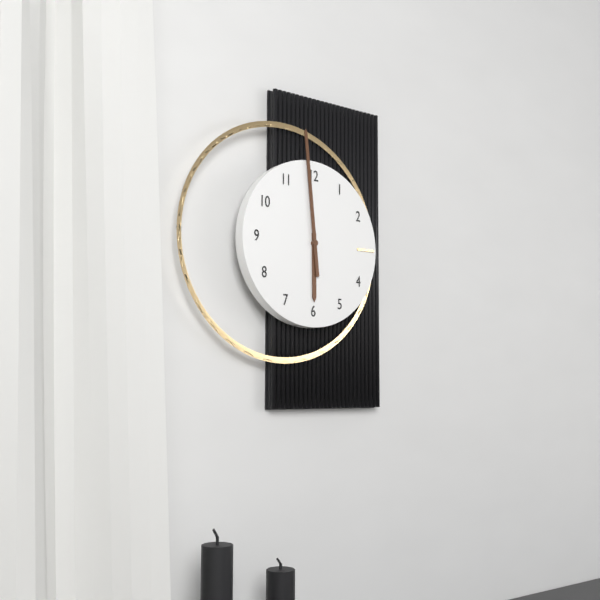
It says 5:59
